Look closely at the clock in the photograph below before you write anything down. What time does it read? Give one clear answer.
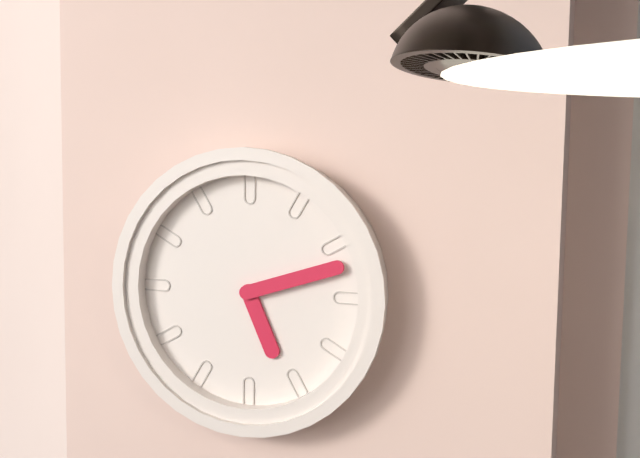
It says 5:12
